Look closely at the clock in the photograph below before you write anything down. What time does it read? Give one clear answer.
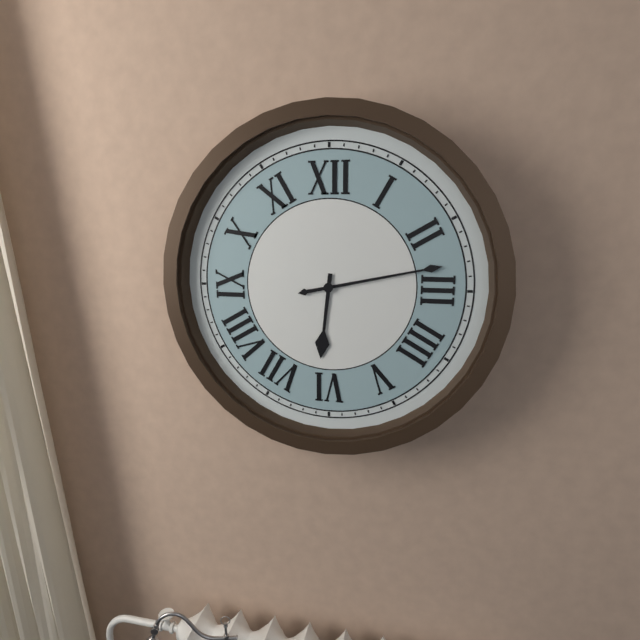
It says 6:13
